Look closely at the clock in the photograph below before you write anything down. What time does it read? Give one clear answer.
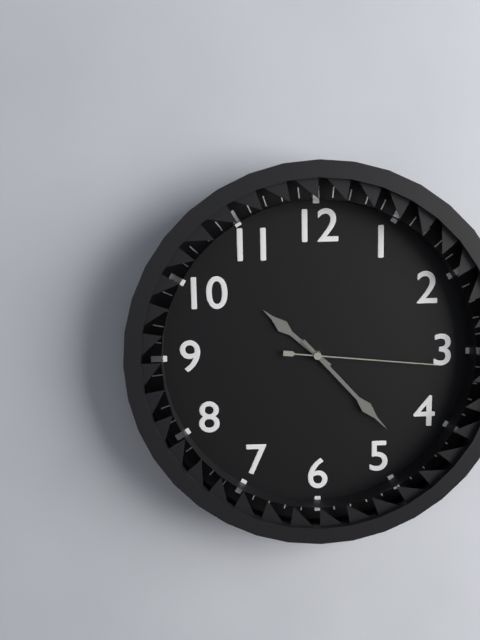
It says 10:23:16
